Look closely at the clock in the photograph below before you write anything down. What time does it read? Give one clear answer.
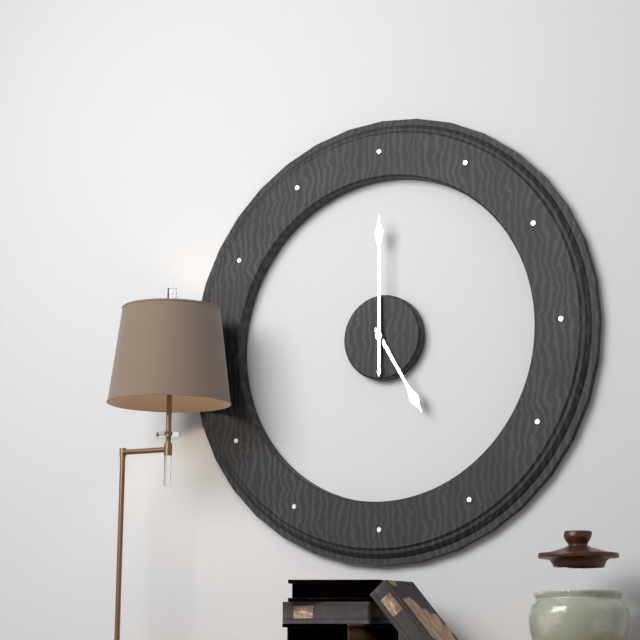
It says 5:00
